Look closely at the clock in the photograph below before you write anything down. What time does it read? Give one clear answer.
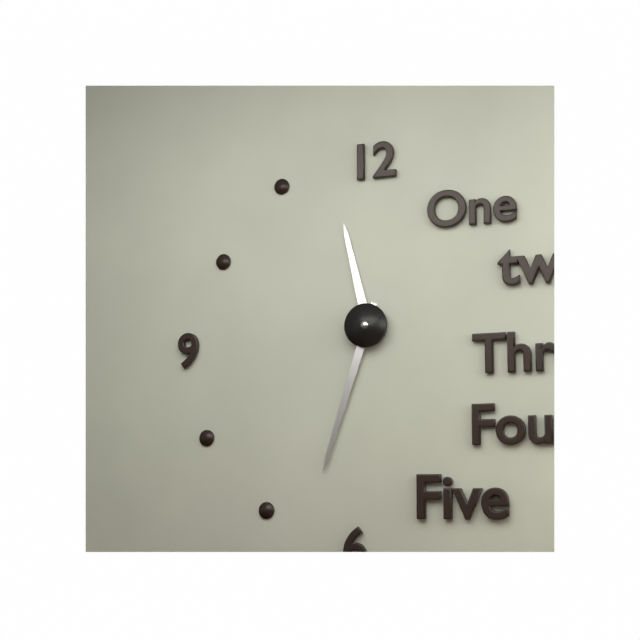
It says 11:33
